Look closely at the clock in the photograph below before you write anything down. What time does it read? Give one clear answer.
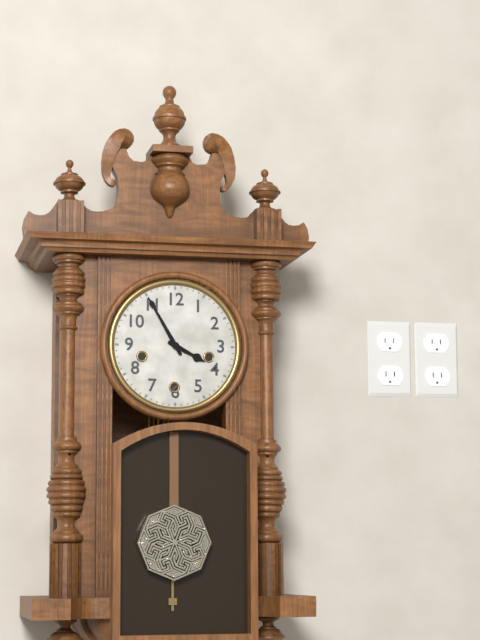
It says 3:55
